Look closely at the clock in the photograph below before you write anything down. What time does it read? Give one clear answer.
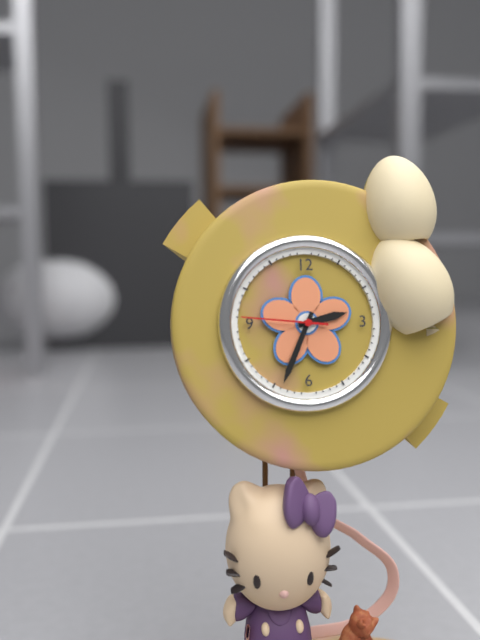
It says 2:34:46
